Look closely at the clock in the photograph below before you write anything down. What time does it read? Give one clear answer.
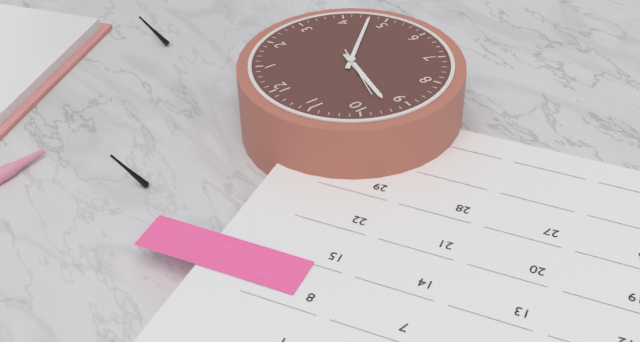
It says 9:23
